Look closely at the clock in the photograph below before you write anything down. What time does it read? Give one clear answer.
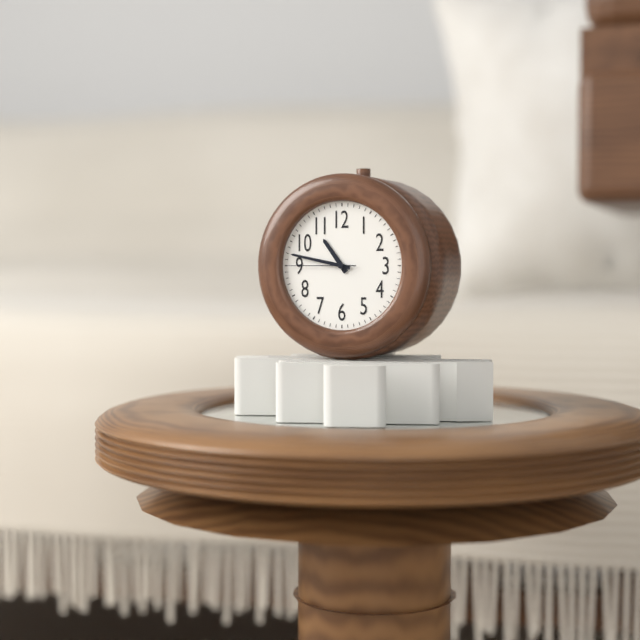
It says 10:47:45
